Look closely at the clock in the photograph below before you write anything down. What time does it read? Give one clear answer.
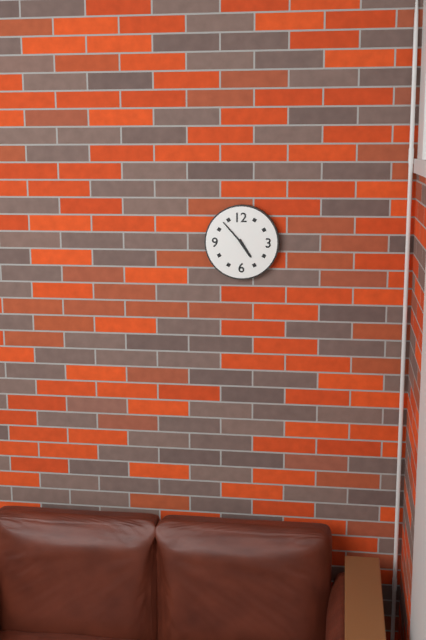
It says 4:53
